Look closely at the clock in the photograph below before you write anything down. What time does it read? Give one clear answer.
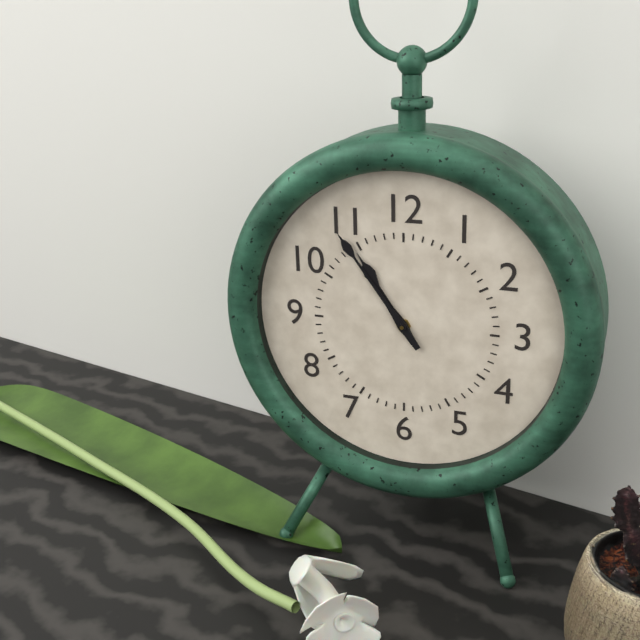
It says 10:54
